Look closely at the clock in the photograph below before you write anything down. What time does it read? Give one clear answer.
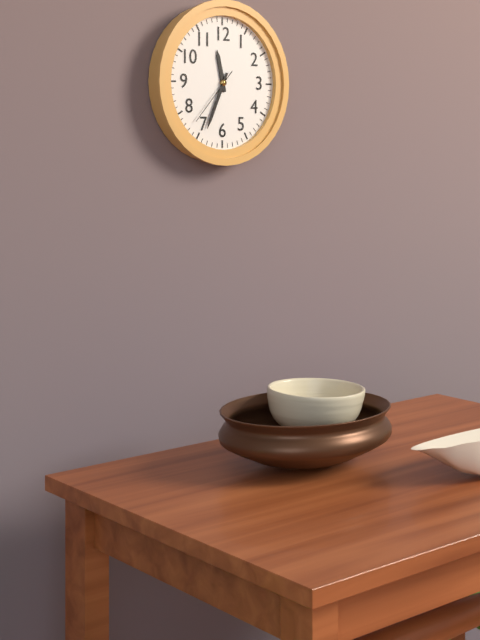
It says 11:34:37
